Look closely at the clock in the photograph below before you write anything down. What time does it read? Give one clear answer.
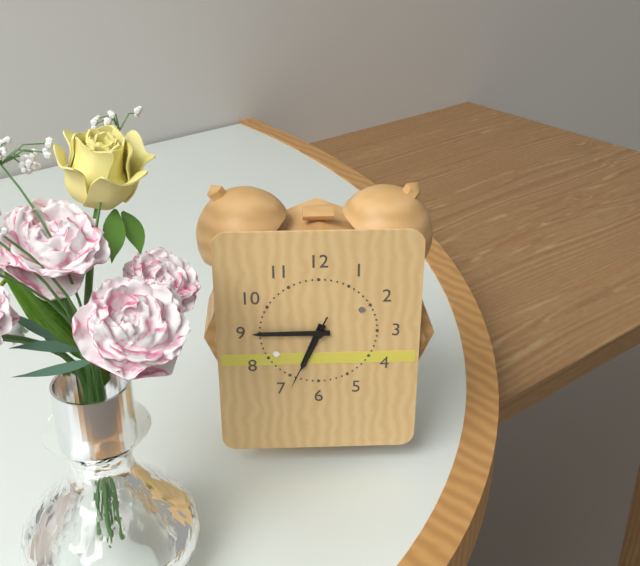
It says 6:45:34
